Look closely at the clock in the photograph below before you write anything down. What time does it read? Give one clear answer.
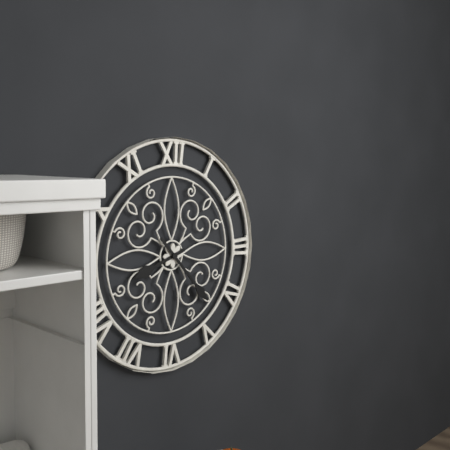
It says 8:23
